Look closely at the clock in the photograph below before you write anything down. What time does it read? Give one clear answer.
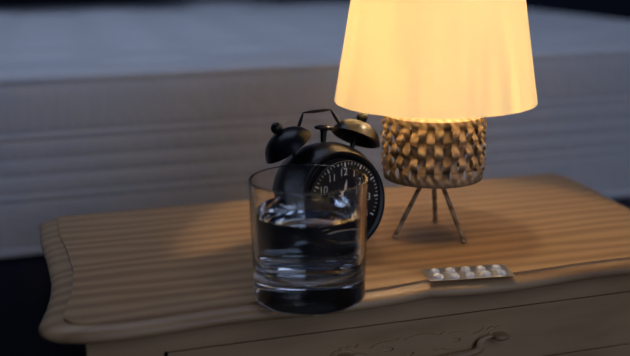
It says 12:21
